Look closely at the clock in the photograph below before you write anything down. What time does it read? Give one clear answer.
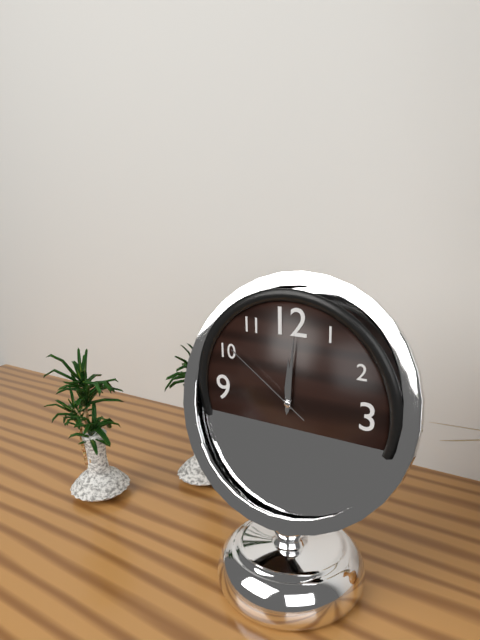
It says 12:01:51
